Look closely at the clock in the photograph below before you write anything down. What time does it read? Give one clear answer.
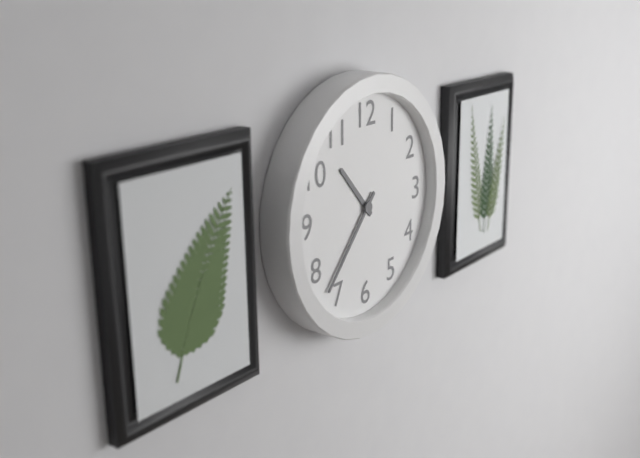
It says 10:37
